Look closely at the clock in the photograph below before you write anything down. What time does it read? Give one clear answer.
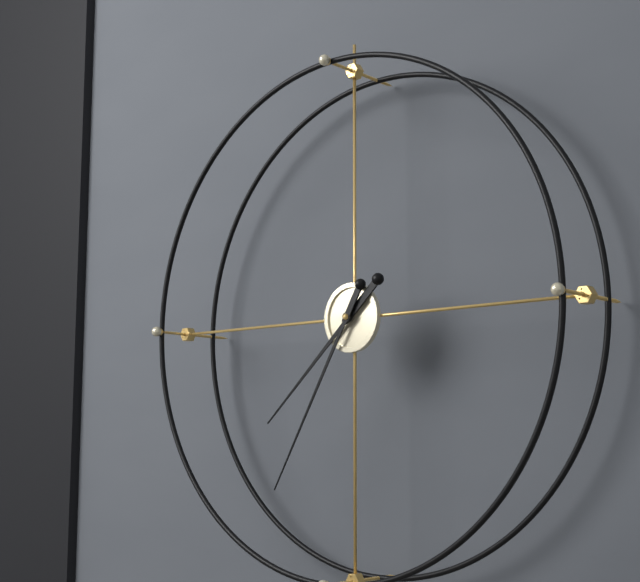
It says 7:35
